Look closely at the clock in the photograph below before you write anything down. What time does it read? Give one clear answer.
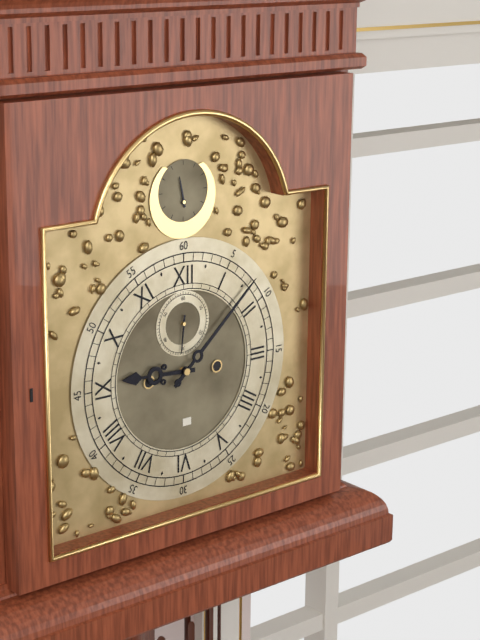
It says 9:08
